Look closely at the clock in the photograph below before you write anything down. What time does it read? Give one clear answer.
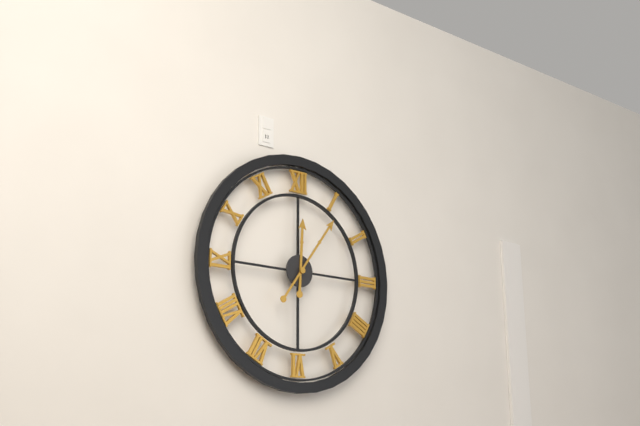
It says 12:06
